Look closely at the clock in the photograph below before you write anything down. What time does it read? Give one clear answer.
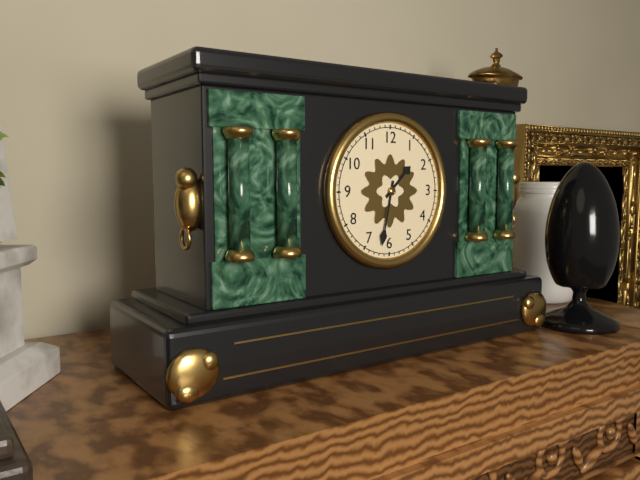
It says 1:32
